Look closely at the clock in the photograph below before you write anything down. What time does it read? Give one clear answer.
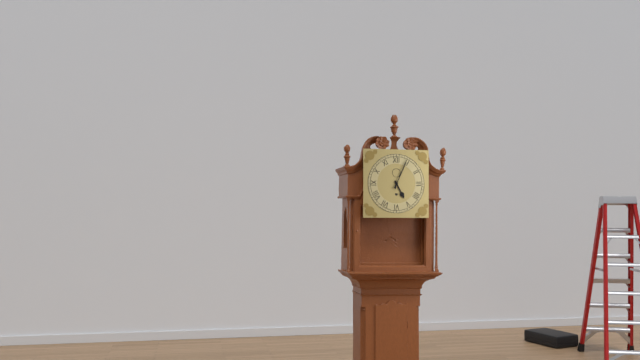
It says 5:04
